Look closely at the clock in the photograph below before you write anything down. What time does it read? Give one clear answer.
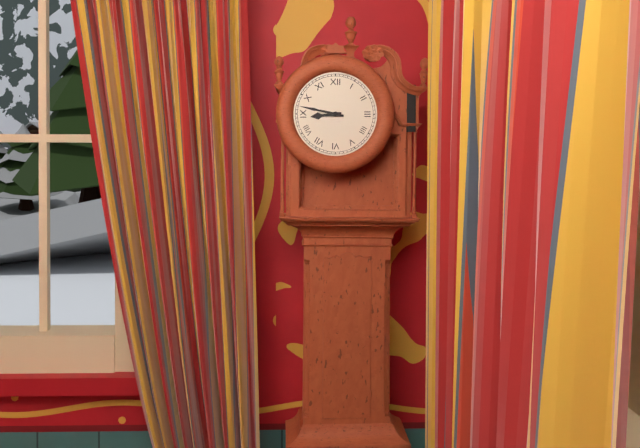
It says 8:47
